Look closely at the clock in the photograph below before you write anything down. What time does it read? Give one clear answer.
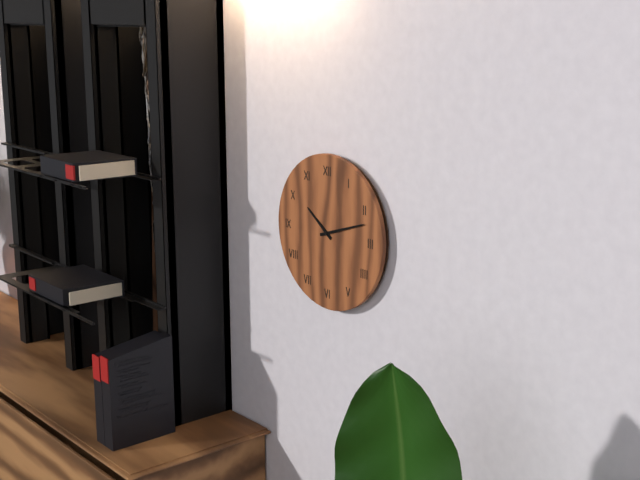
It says 10:12
